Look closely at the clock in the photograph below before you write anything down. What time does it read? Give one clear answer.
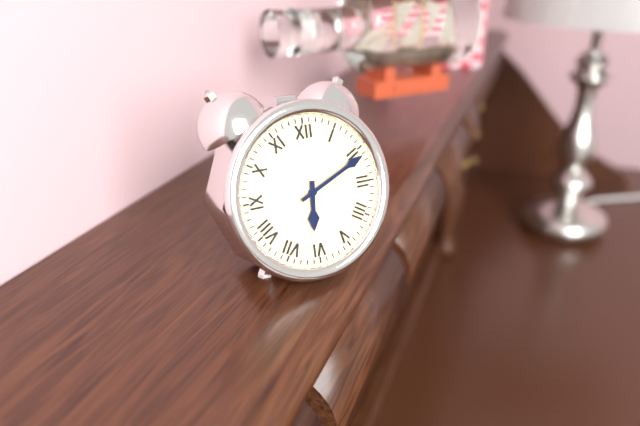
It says 6:11
